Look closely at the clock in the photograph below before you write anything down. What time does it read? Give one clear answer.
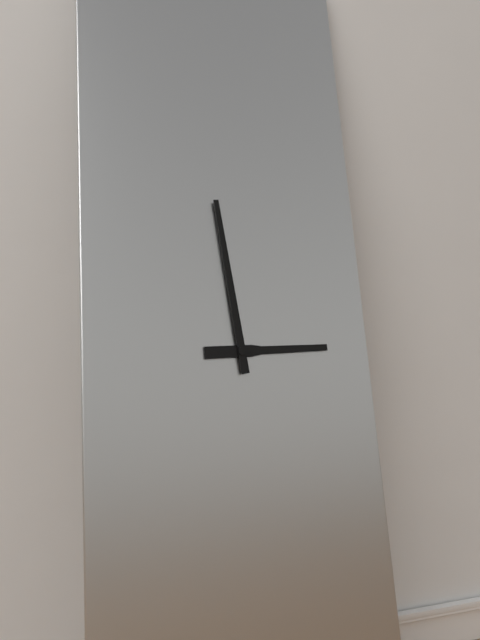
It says 2:59
